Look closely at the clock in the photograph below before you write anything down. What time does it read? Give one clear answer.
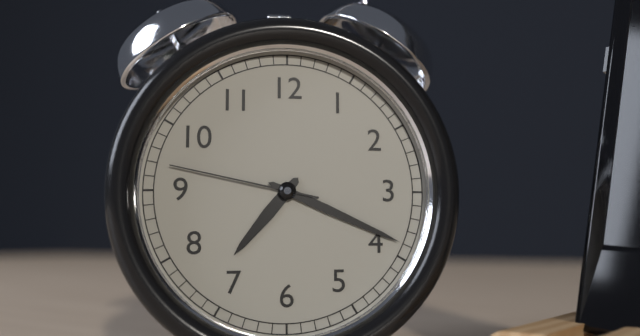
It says 7:19:47
